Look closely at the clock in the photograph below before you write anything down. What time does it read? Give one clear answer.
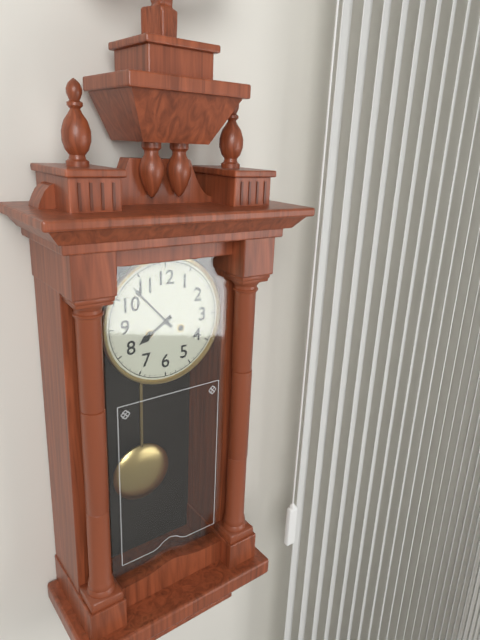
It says 7:53
